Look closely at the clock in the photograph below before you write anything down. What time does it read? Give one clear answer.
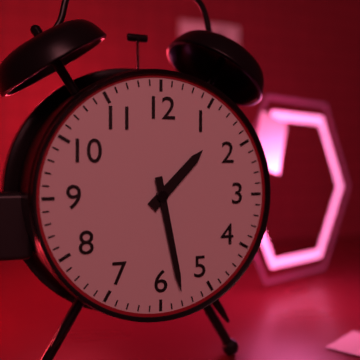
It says 1:28
